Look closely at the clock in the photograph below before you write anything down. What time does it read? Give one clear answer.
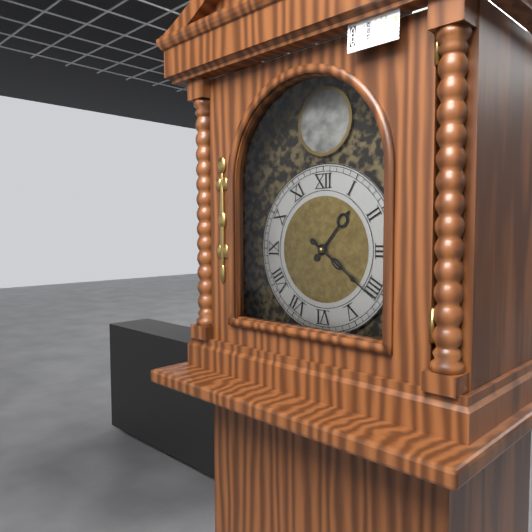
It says 1:21
